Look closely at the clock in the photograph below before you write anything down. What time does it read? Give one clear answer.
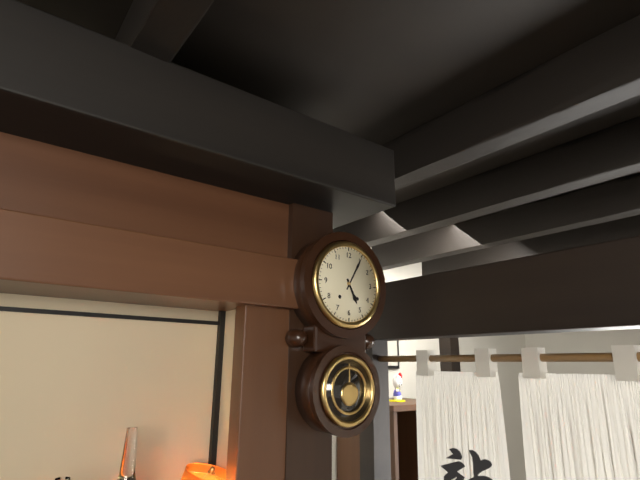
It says 5:05
